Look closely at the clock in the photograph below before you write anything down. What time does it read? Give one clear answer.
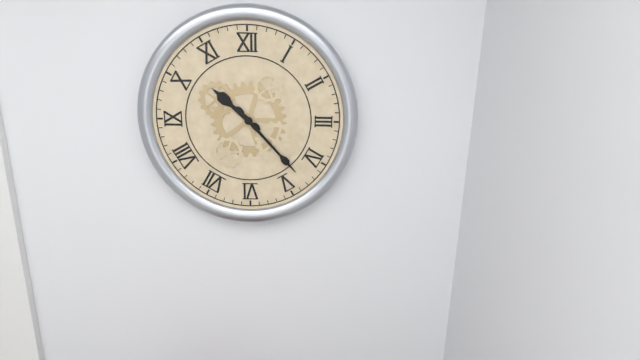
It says 10:23
